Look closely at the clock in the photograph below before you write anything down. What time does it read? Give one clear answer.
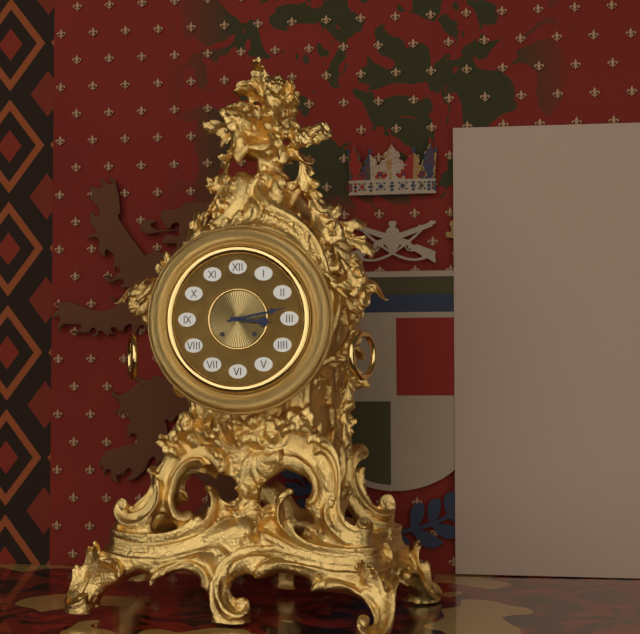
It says 3:13
